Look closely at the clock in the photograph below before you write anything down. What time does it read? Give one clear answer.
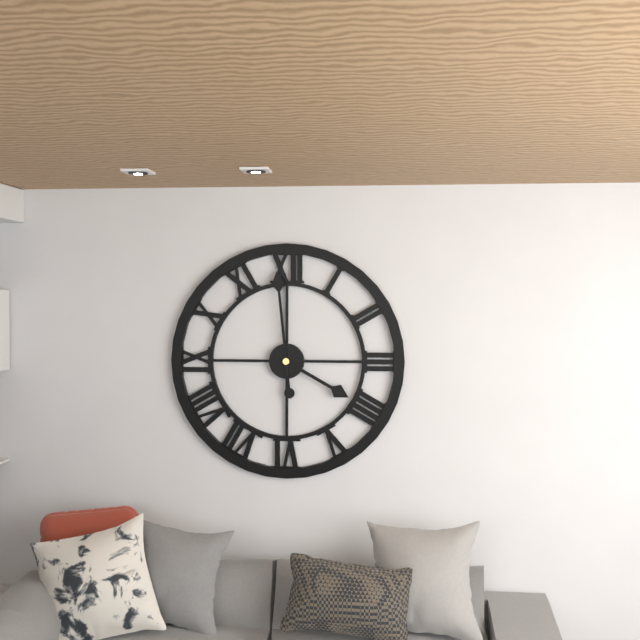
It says 3:59
